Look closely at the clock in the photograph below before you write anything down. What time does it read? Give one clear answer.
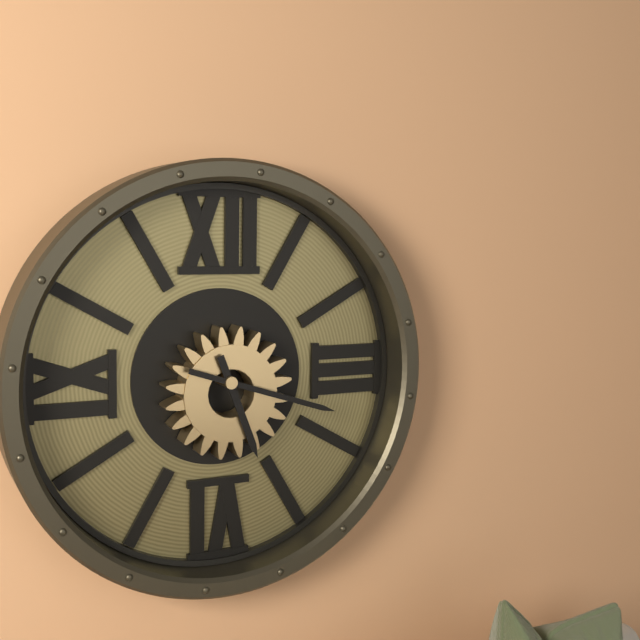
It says 5:18
